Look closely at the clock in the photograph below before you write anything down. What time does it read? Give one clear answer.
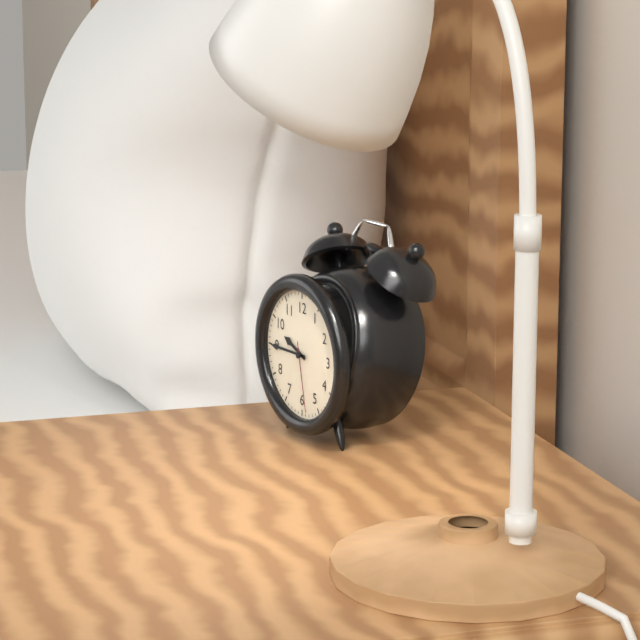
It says 9:45:28
